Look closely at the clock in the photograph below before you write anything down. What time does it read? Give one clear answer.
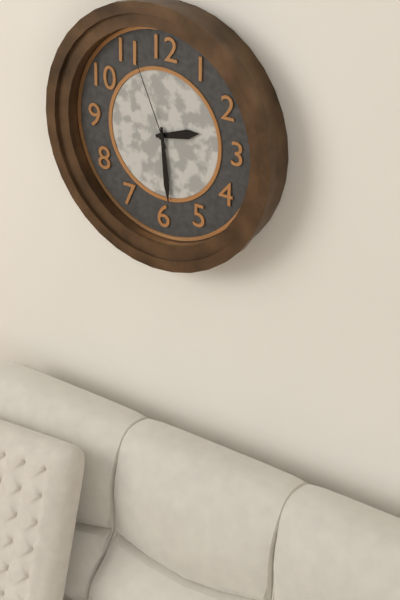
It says 2:29:56
